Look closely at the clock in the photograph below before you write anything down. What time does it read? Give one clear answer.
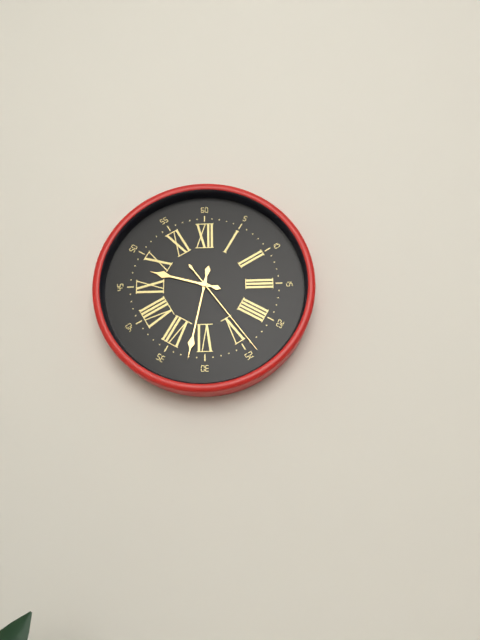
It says 9:32:24
